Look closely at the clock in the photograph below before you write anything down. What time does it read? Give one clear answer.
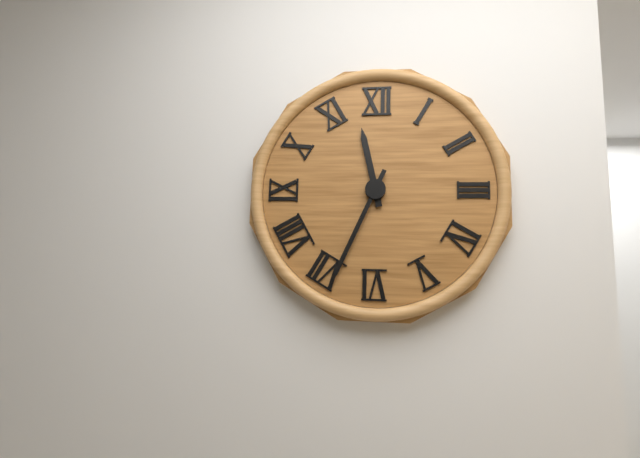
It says 11:34
